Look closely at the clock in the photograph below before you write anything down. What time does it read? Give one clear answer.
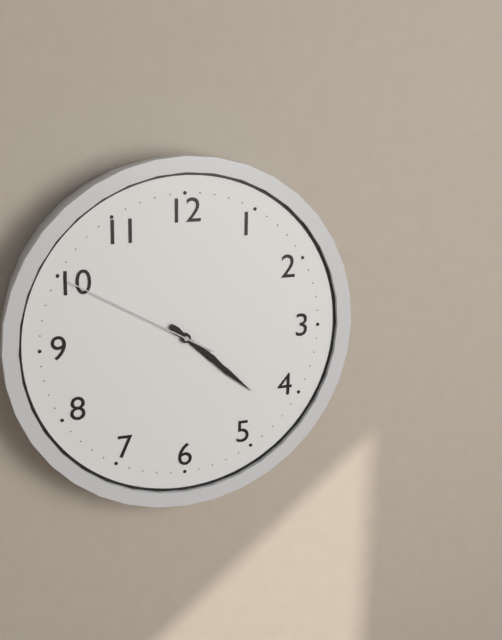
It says 4:22:50
